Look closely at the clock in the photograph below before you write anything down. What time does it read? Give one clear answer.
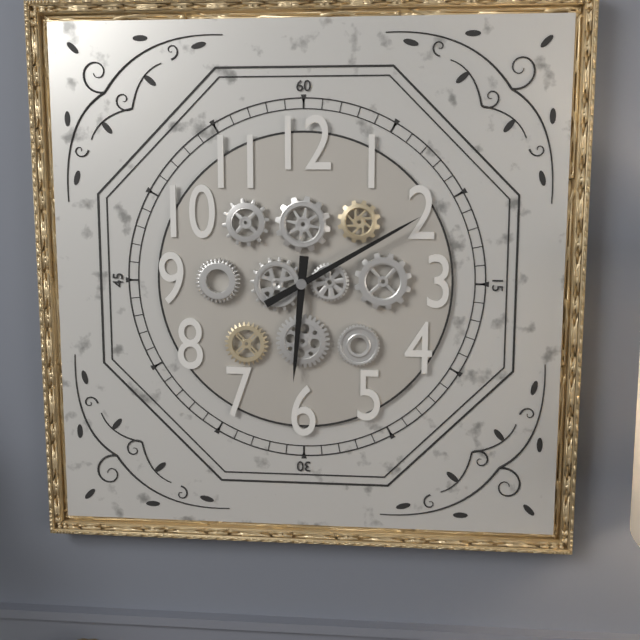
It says 6:10
